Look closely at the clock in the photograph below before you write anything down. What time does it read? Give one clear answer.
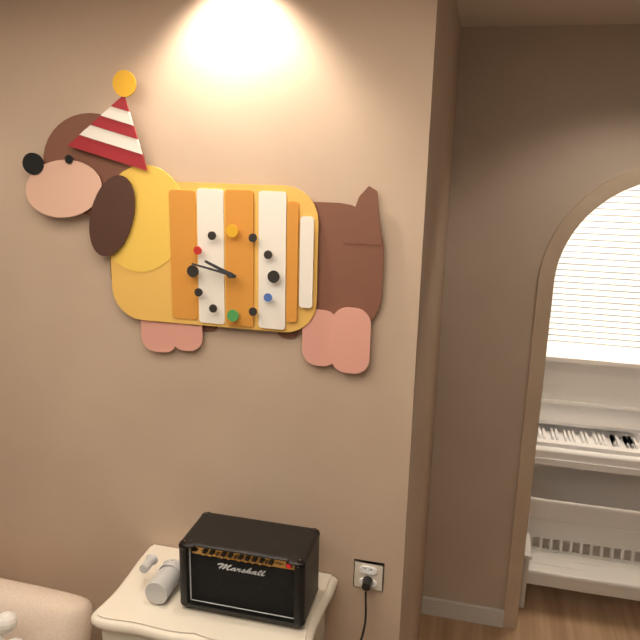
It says 9:47
